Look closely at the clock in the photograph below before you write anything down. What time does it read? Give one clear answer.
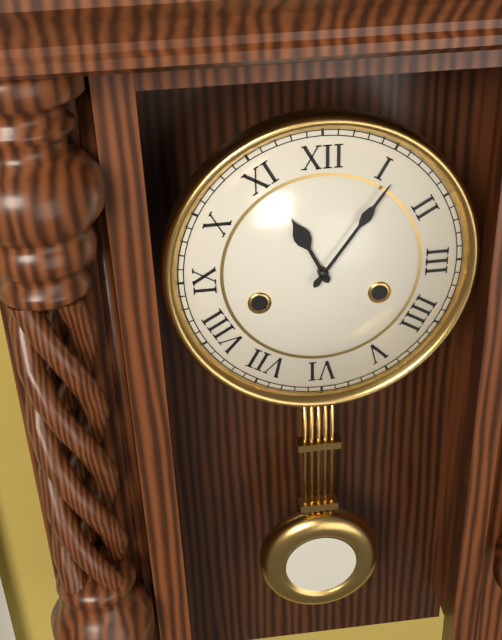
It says 11:06
